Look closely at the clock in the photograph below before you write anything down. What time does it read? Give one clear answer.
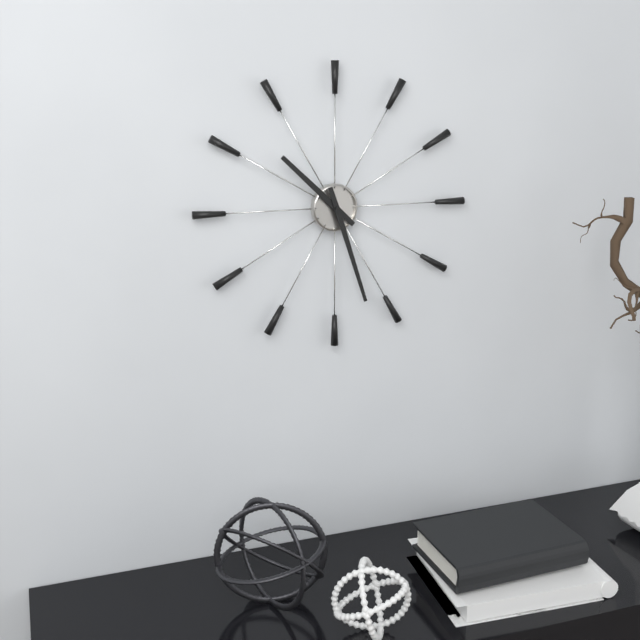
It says 10:27
